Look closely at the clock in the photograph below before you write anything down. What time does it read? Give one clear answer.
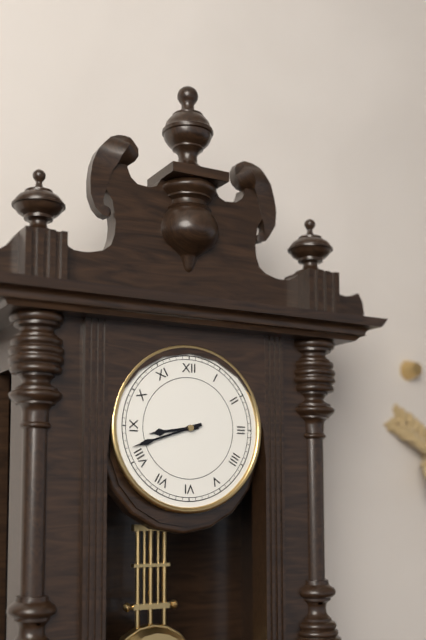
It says 8:42
